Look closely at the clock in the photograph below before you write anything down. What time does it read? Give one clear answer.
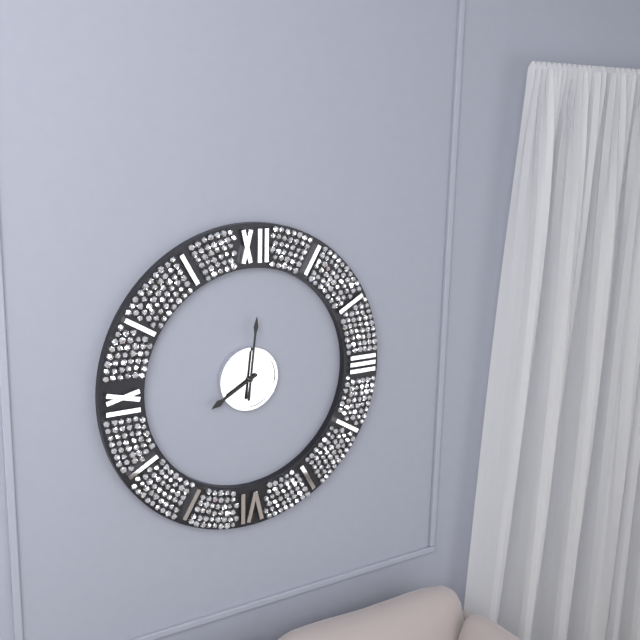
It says 8:01
